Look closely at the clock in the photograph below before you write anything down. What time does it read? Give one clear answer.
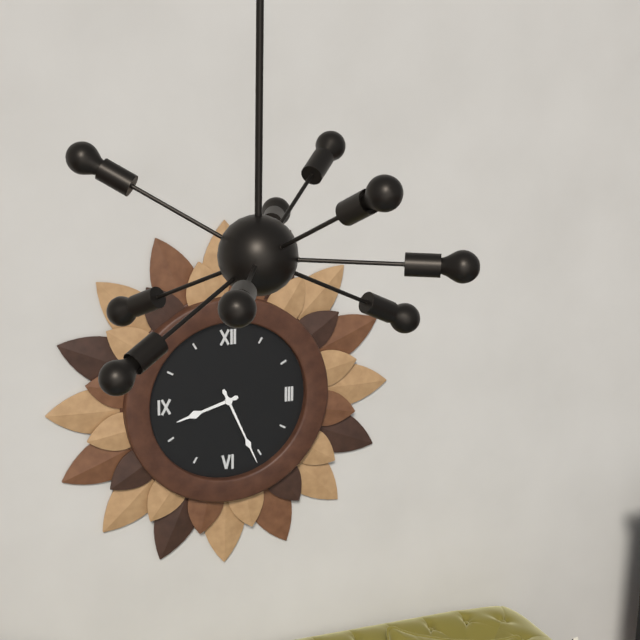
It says 8:26
